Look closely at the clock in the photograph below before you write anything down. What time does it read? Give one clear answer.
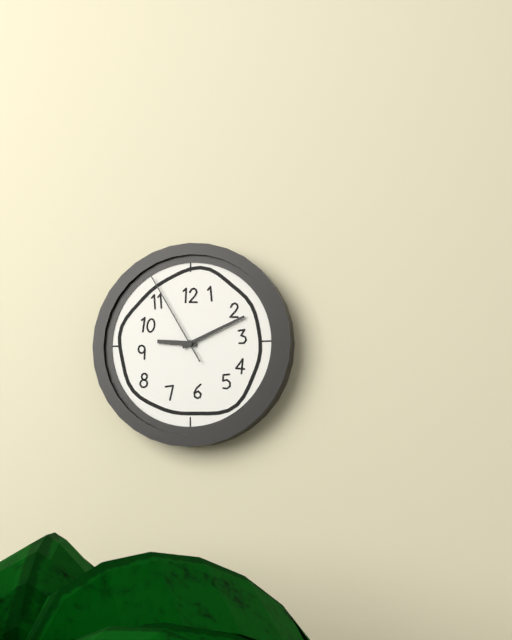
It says 9:11:55
